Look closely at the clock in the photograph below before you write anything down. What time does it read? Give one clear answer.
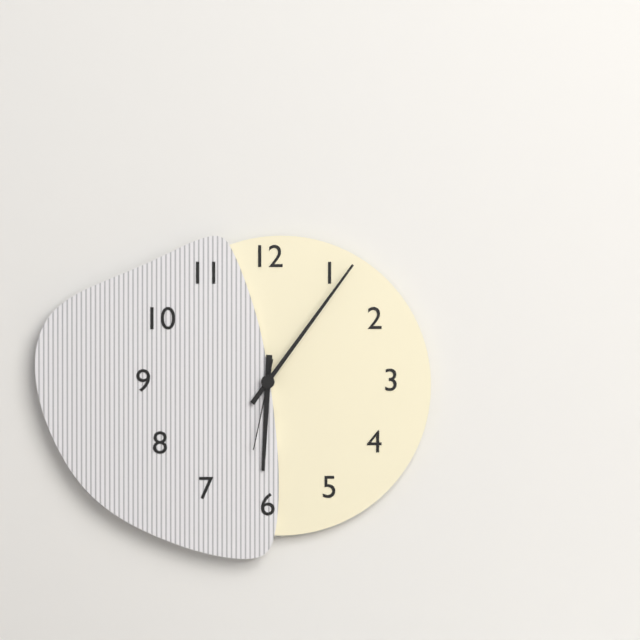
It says 6:06:32
